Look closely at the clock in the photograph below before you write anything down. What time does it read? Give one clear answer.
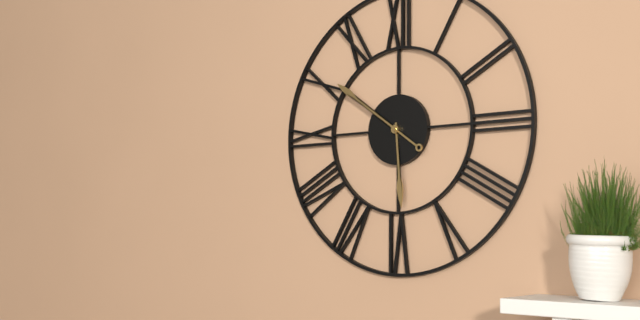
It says 5:51
